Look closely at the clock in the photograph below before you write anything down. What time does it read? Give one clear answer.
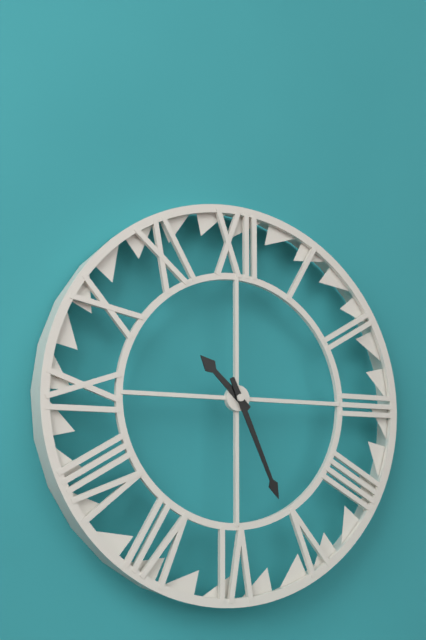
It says 10:26
